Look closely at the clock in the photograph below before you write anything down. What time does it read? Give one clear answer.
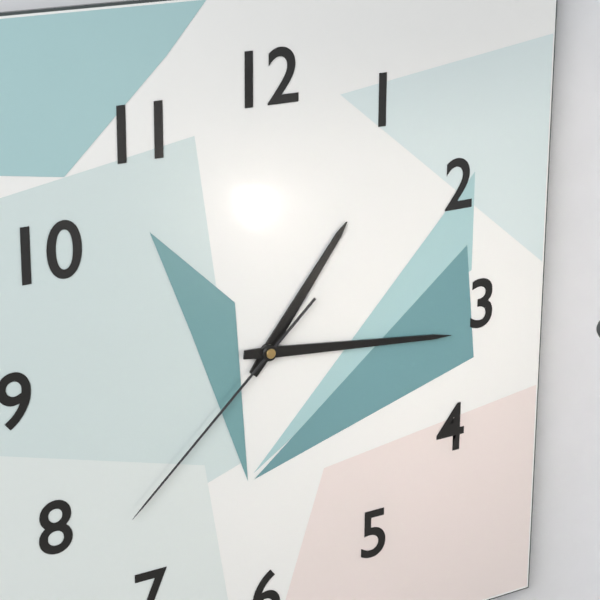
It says 1:16:38
